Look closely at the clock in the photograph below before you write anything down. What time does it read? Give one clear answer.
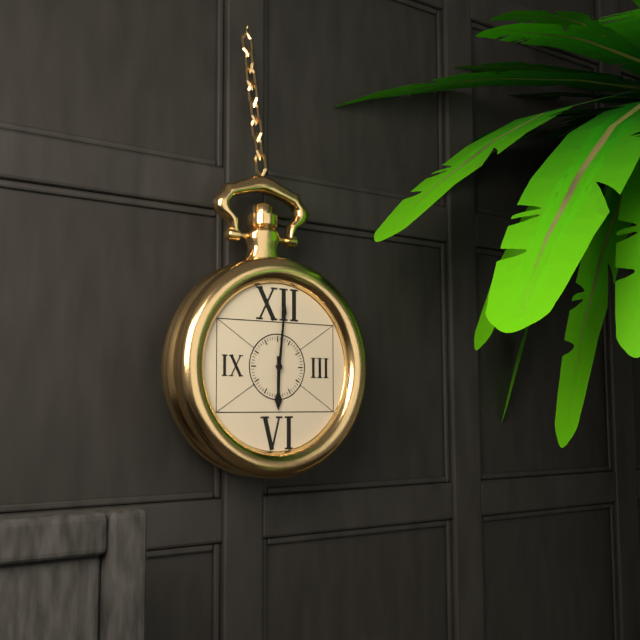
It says 6:01
